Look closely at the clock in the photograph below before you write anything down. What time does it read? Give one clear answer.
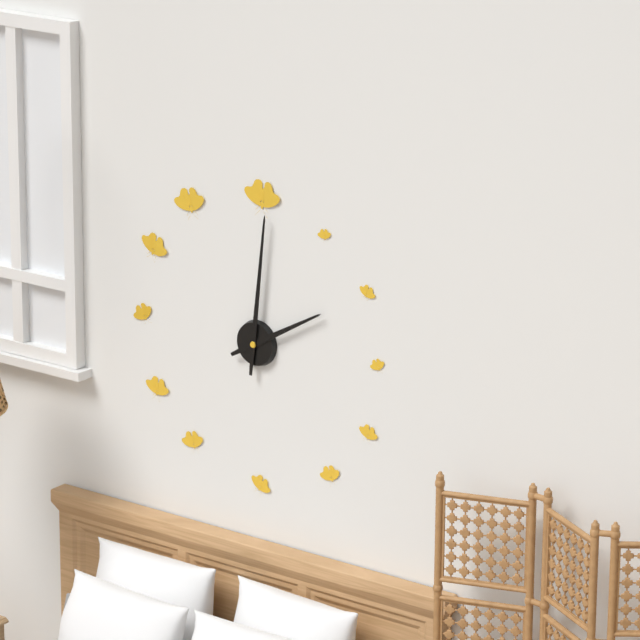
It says 2:01
